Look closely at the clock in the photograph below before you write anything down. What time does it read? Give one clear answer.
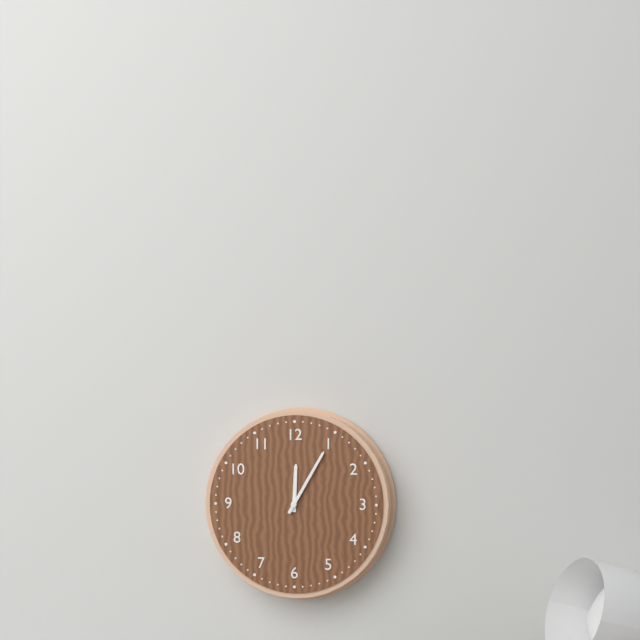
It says 12:05
